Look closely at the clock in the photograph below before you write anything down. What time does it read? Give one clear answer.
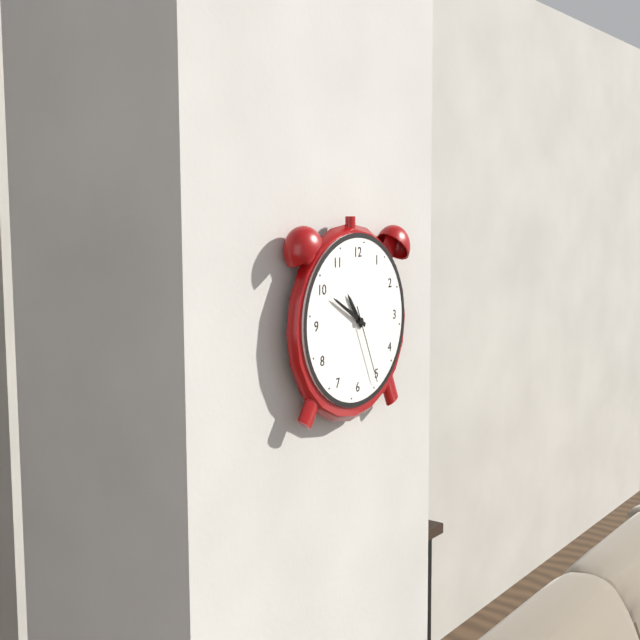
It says 10:50:26
